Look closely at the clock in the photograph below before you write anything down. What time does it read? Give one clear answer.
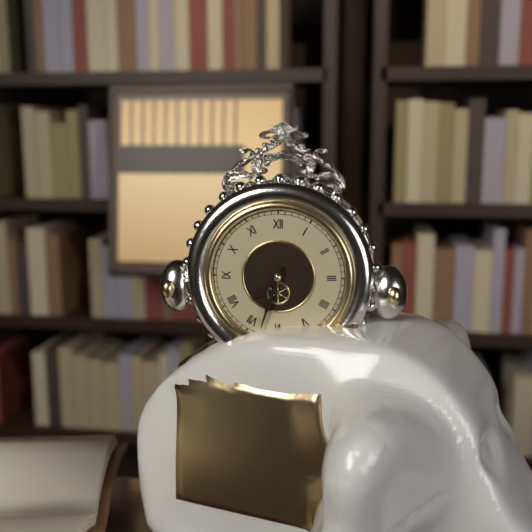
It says 7:33
